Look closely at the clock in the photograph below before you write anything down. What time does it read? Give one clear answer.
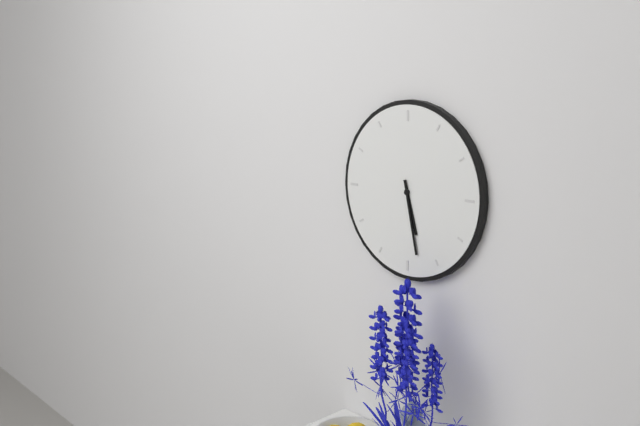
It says 5:28
